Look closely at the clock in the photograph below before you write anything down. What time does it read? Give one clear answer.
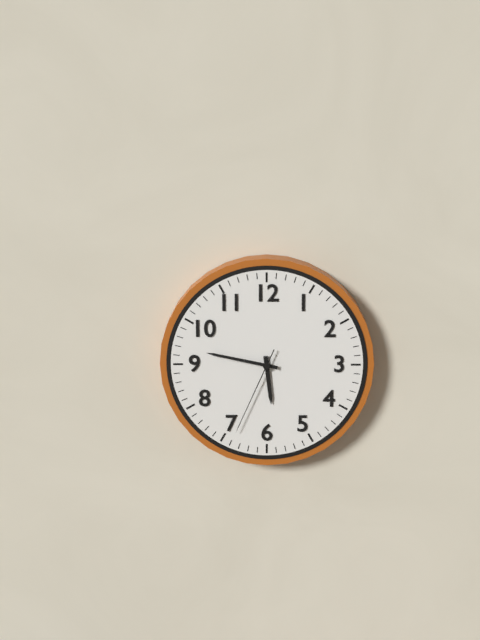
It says 5:47:34
